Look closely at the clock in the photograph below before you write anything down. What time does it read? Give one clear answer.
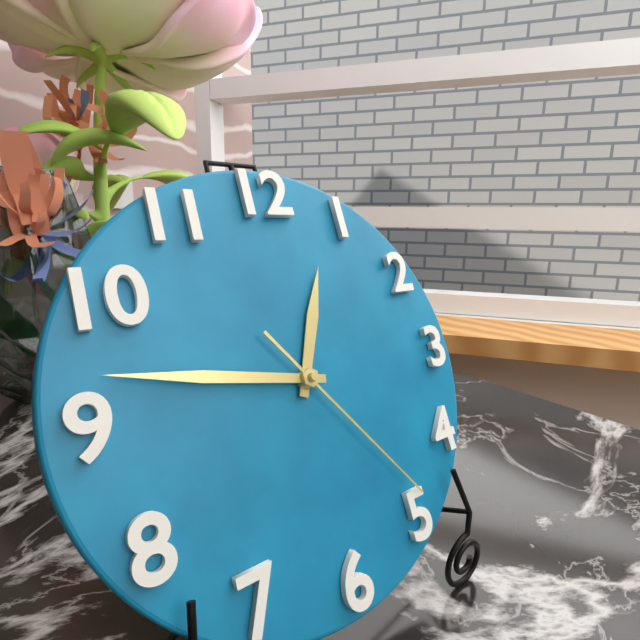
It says 12:47:24
